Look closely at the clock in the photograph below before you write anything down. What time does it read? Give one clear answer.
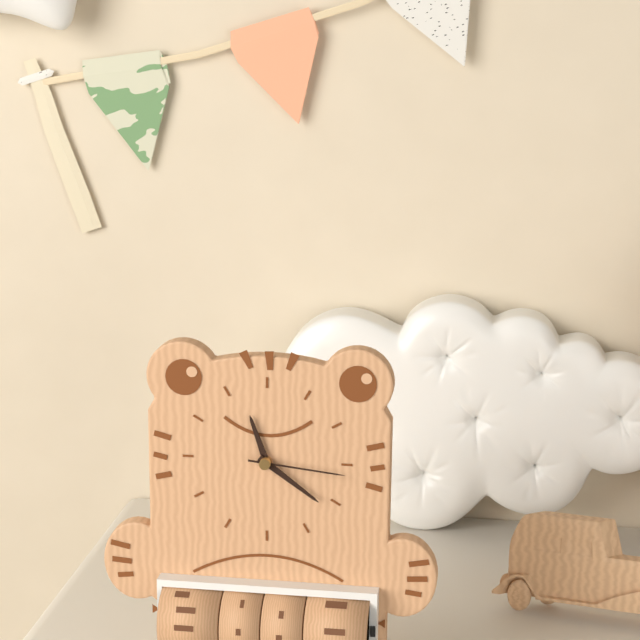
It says 11:21:16
